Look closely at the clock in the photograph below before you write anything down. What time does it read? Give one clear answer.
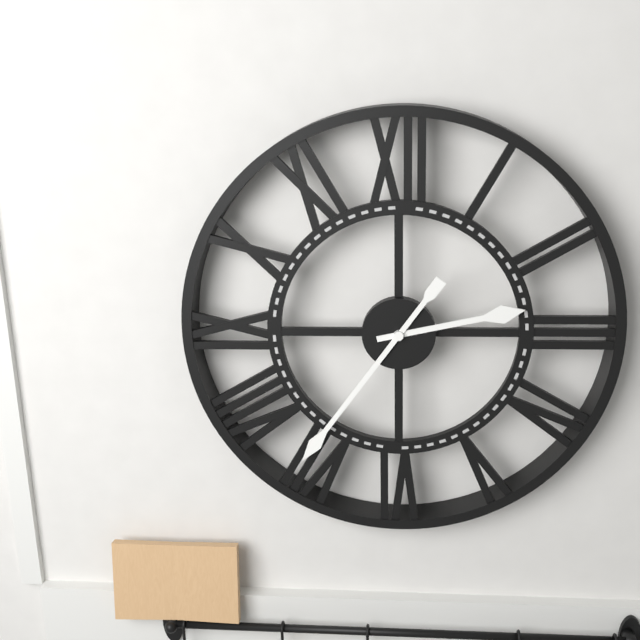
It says 2:36
